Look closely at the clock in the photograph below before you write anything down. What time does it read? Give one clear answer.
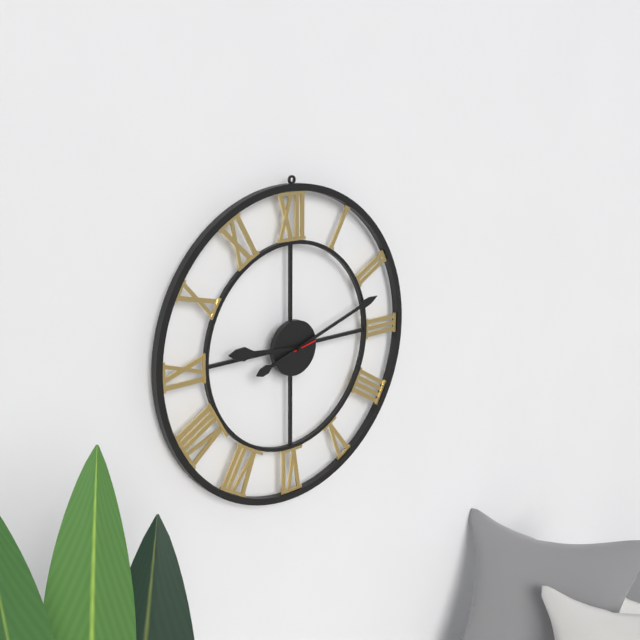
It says 9:12
